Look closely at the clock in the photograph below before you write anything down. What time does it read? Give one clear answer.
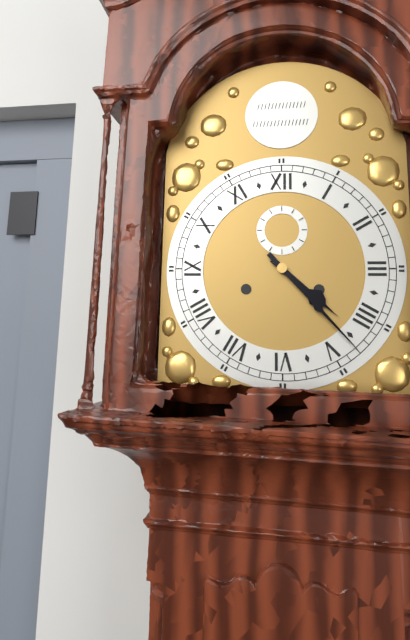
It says 4:23
